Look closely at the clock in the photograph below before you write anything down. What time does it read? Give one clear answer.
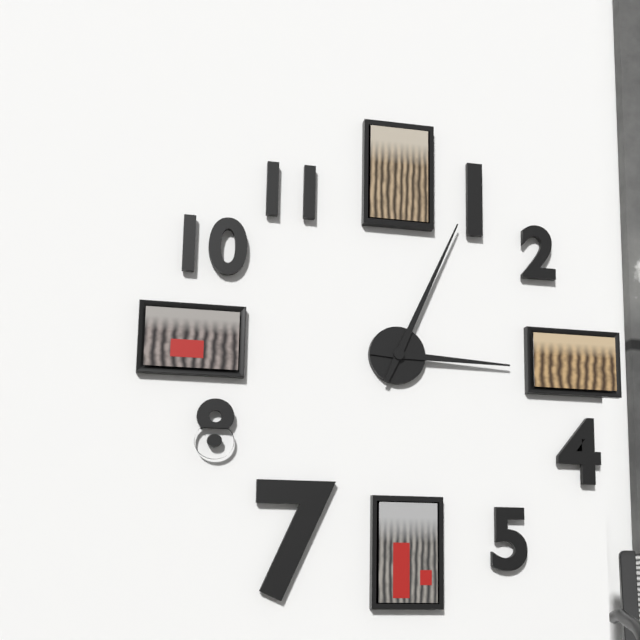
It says 3:04
